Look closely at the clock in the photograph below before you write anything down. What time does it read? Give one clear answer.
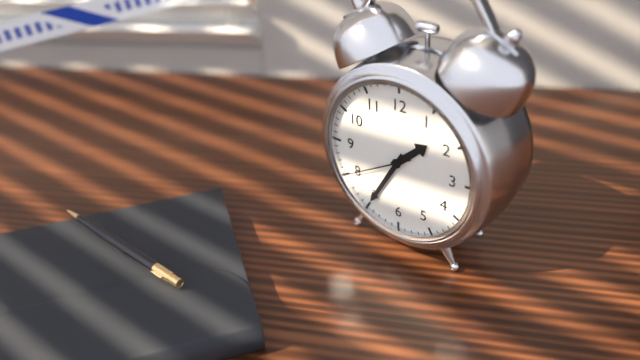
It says 1:35:40
